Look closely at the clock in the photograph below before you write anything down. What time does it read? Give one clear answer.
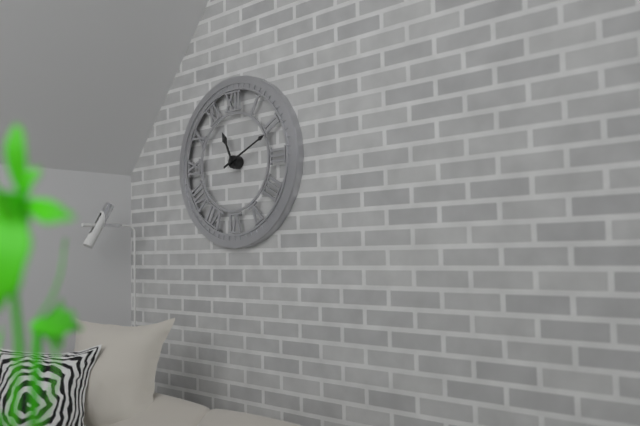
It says 11:11
